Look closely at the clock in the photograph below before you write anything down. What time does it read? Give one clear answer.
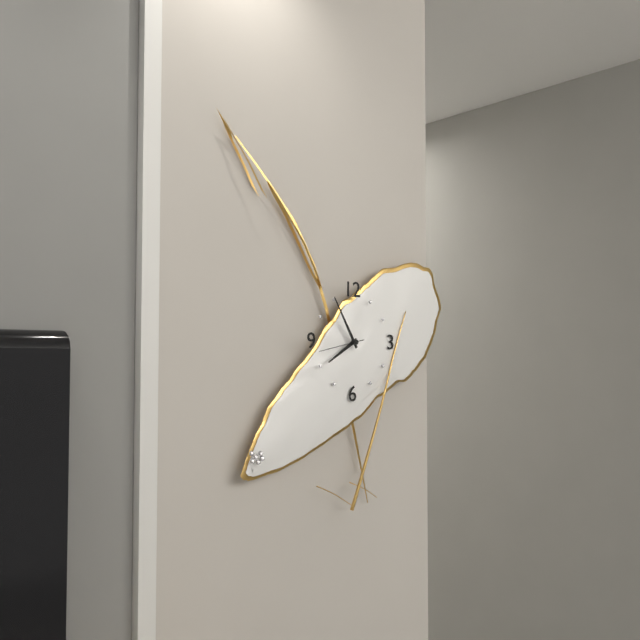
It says 7:55
